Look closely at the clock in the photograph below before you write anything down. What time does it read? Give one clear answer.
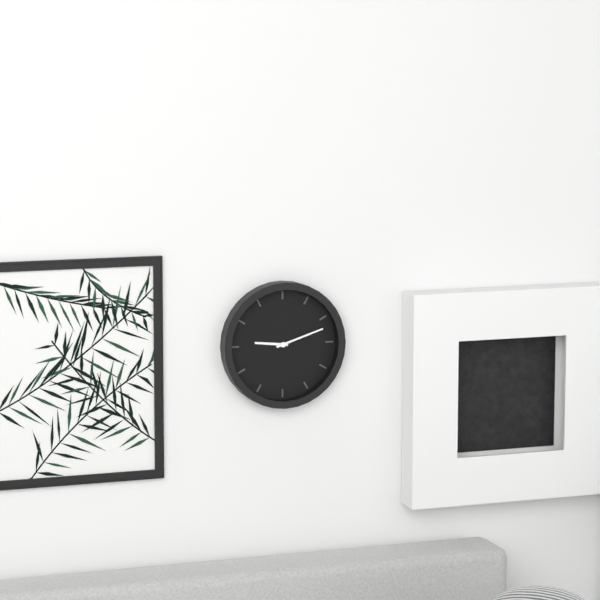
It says 9:12
